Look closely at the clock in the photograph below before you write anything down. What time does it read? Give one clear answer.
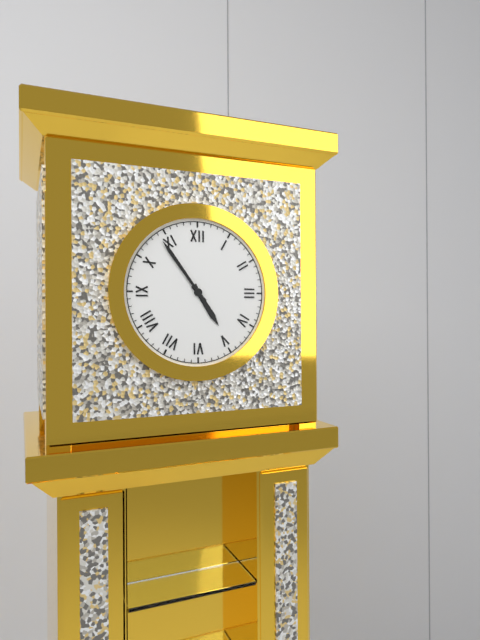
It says 4:54
